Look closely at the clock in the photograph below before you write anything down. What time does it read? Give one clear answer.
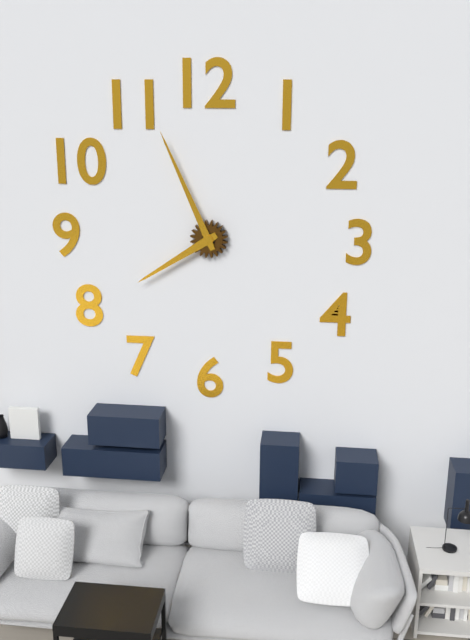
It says 7:56
